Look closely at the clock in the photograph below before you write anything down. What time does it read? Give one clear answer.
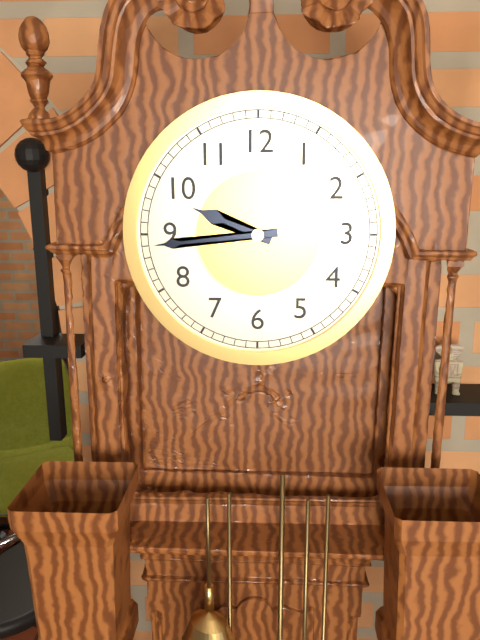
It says 9:44
